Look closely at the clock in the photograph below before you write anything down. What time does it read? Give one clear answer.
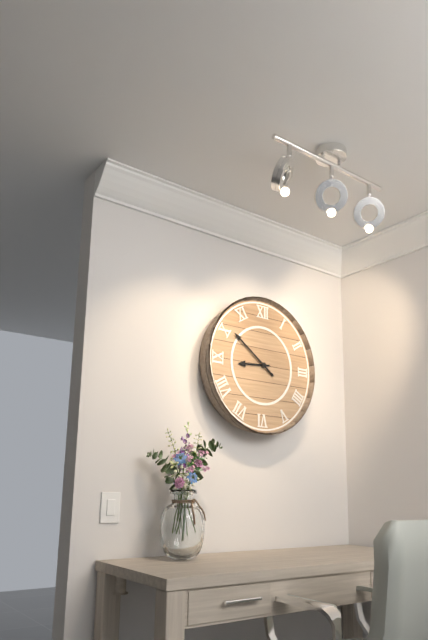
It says 8:51
